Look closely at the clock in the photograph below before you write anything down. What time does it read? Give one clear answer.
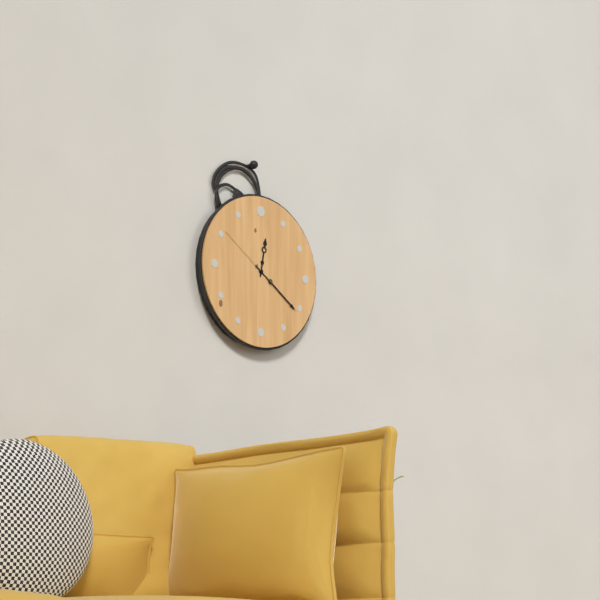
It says 12:21:51
